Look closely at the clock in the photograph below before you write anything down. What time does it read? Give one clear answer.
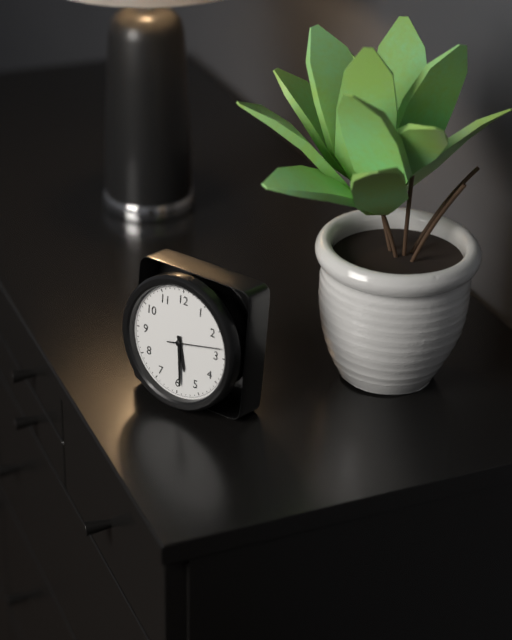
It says 5:29
